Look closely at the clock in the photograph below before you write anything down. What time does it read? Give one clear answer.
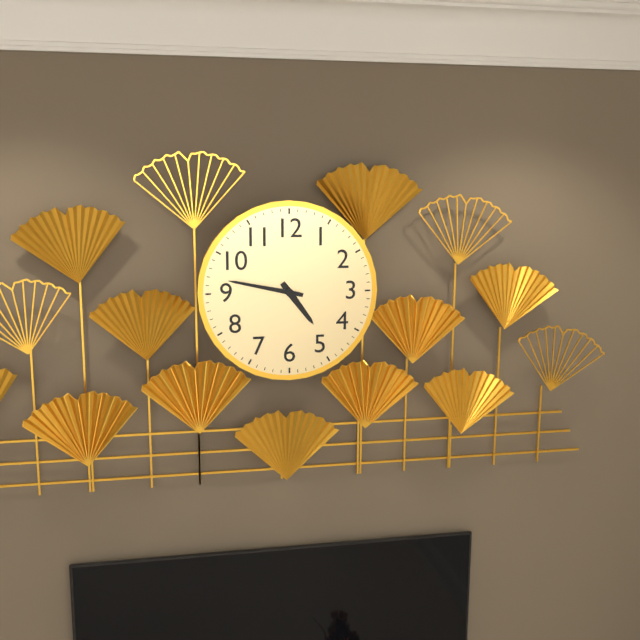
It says 4:47
